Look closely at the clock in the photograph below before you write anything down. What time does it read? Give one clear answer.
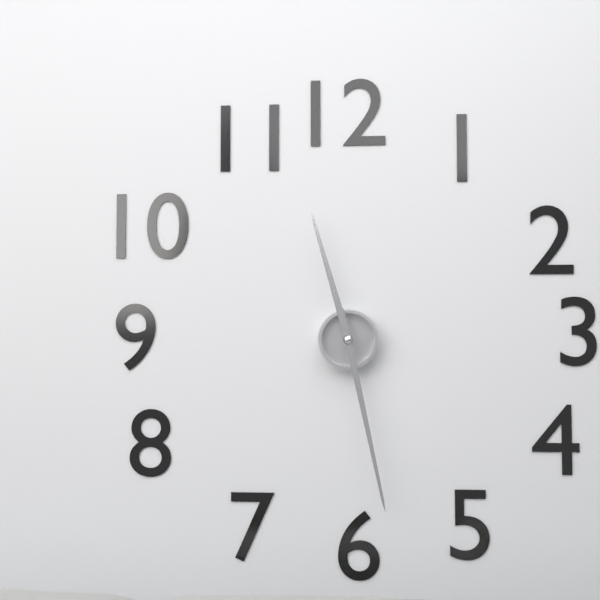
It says 11:28
